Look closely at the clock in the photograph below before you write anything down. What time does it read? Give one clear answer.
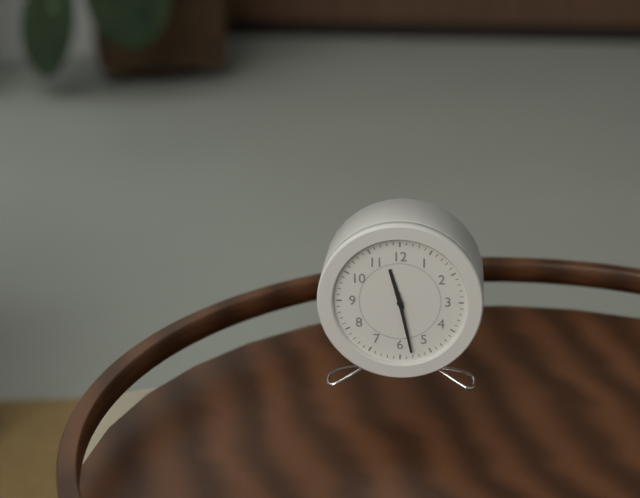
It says 11:28
